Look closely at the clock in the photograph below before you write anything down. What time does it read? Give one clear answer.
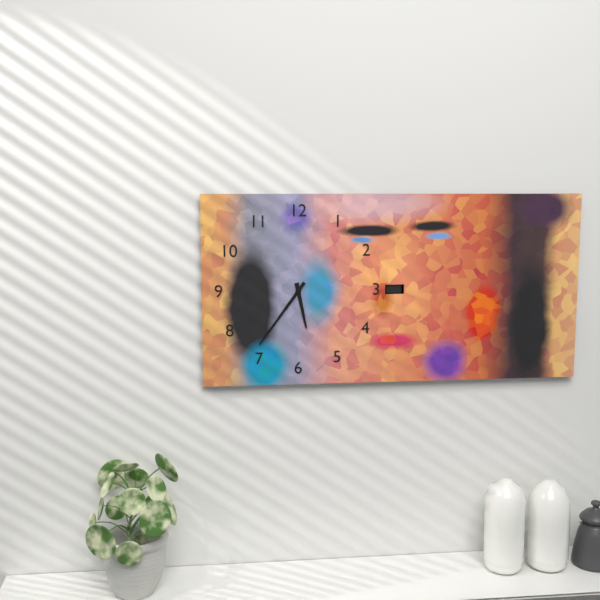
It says 5:36
